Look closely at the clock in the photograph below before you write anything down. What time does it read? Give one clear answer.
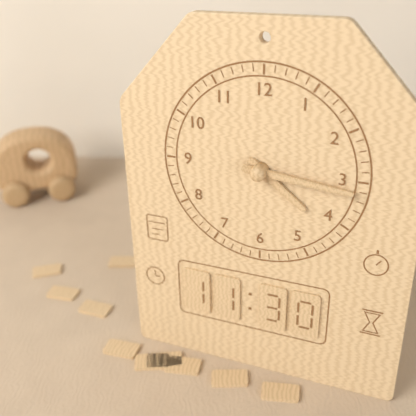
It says 4:16
